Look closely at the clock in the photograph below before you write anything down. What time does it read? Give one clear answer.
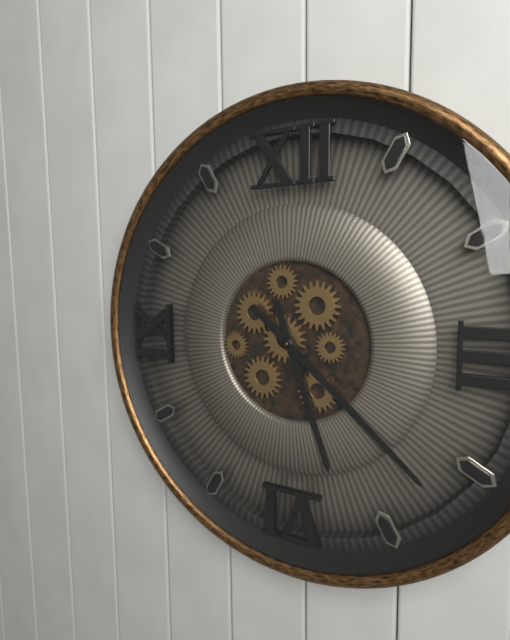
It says 5:22
